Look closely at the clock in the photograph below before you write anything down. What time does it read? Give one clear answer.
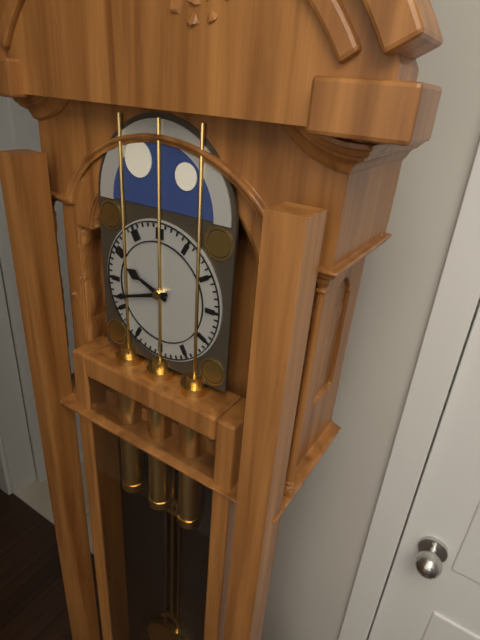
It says 9:42
